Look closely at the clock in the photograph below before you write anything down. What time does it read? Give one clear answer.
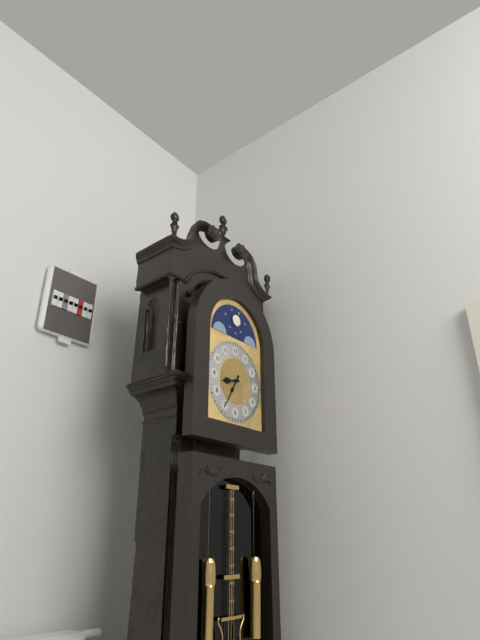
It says 8:35
